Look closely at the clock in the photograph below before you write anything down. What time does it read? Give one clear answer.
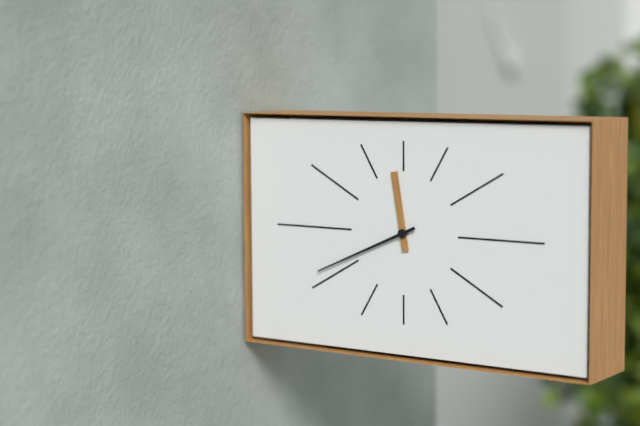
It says 11:41
